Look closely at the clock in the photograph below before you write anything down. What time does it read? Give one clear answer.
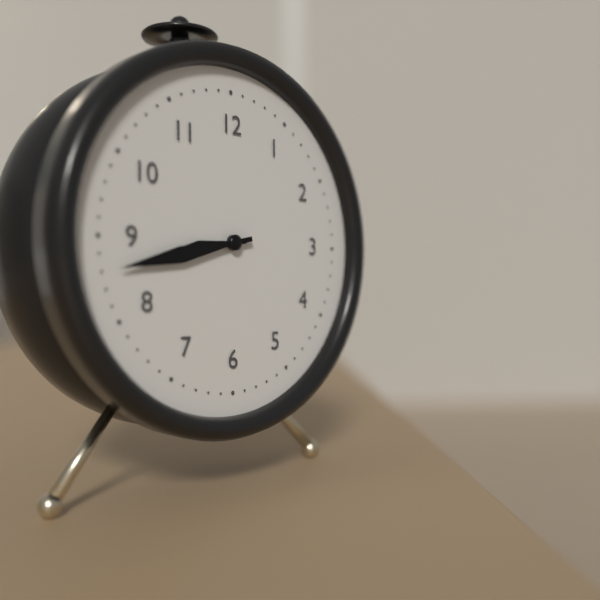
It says 8:43
